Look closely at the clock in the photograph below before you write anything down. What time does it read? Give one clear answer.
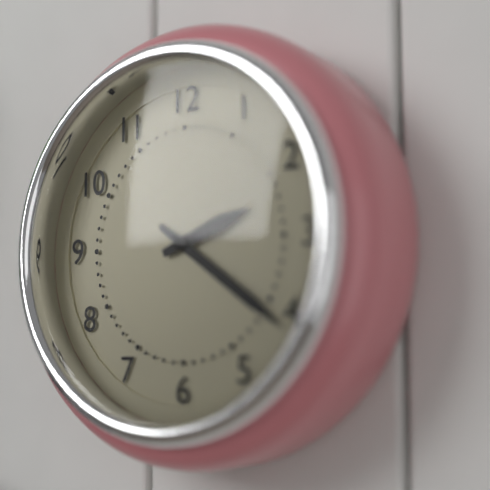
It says 2:21
